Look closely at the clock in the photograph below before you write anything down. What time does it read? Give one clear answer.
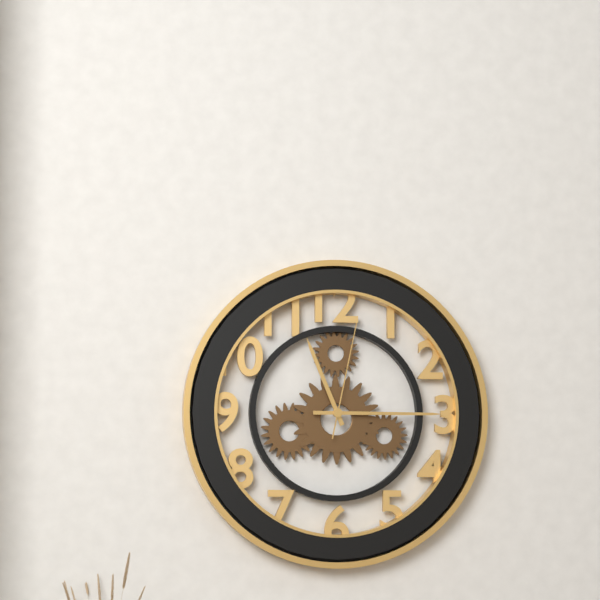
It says 11:15:02
